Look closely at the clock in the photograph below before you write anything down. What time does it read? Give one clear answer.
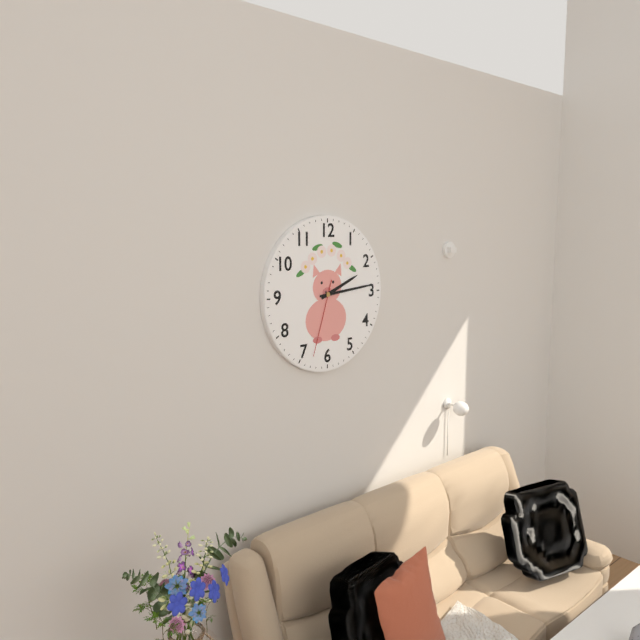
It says 2:14:33
